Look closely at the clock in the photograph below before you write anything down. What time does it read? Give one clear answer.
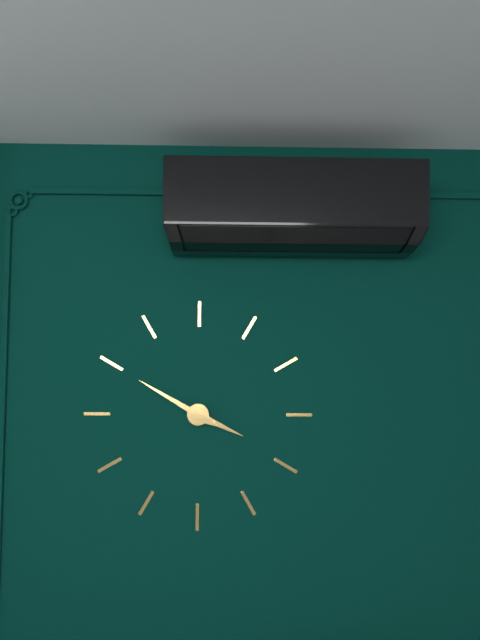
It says 3:50
